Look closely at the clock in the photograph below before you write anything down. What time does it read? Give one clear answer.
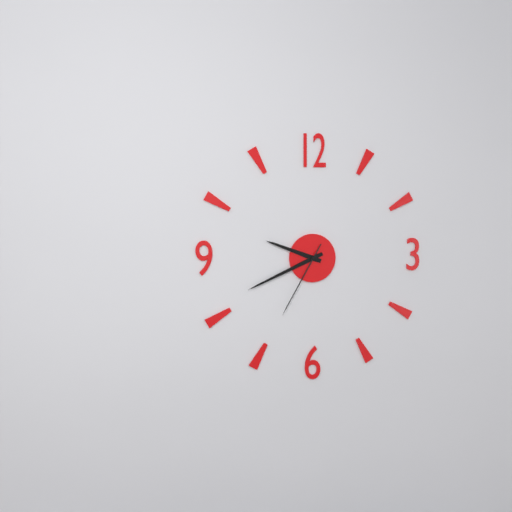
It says 9:41:35
